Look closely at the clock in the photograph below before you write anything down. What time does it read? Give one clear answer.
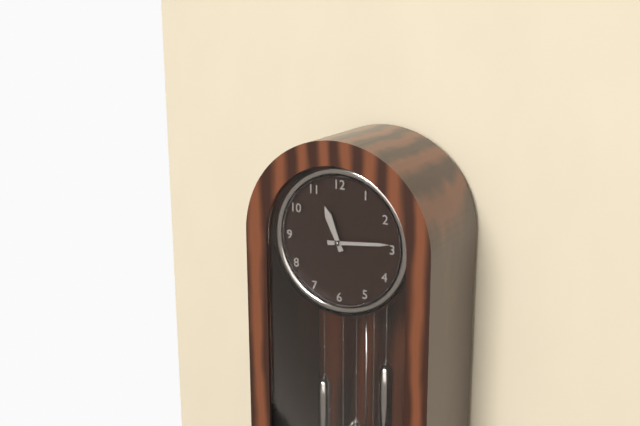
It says 11:14
